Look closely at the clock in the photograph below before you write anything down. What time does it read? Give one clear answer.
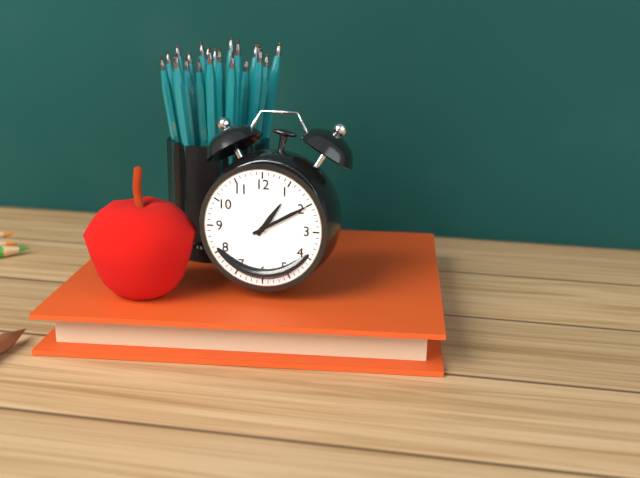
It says 1:10
